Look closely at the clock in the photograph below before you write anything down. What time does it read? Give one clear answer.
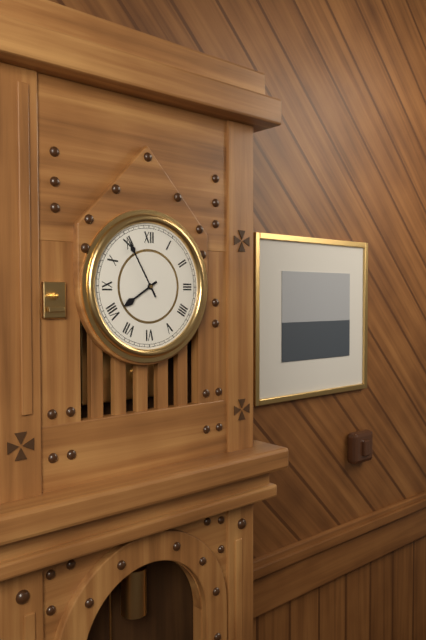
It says 7:55
